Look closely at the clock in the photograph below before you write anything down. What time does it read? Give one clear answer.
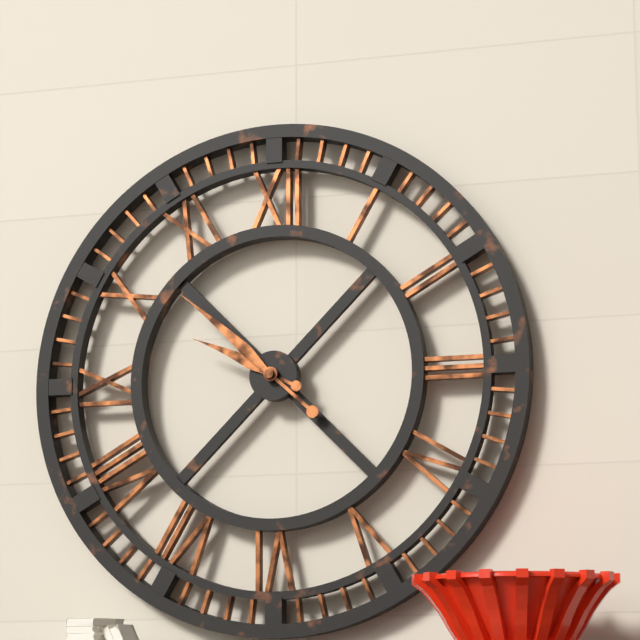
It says 9:52
